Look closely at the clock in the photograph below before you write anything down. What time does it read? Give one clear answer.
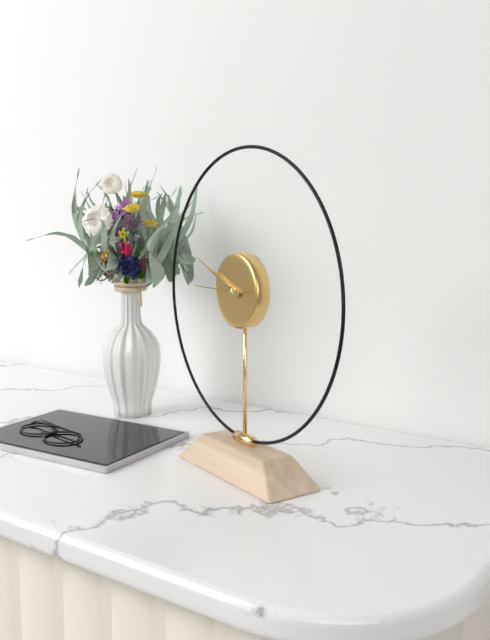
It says 9:49
